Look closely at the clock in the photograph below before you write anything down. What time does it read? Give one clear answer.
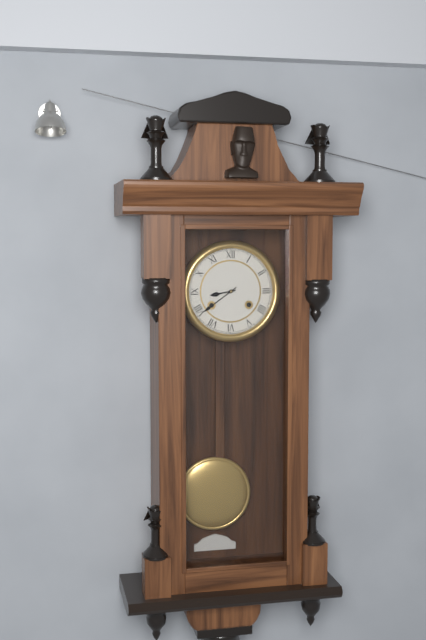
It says 8:39
